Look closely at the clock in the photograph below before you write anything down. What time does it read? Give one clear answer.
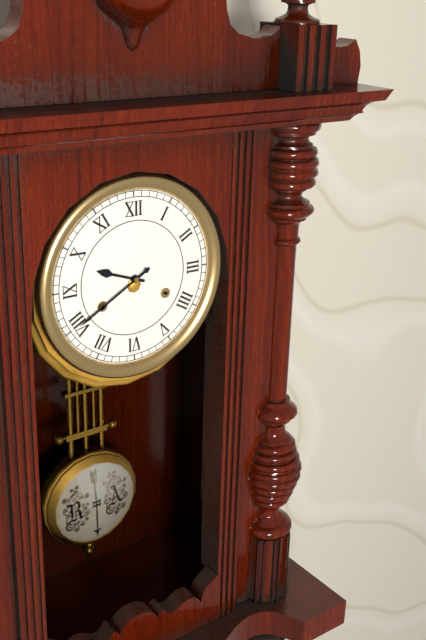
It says 9:40
